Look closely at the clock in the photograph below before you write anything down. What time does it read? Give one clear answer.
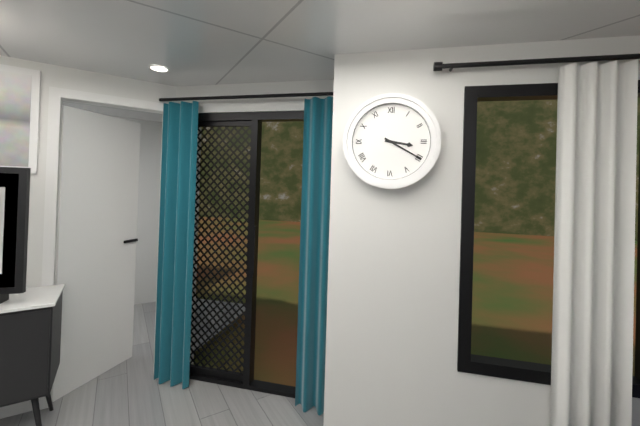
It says 3:20
